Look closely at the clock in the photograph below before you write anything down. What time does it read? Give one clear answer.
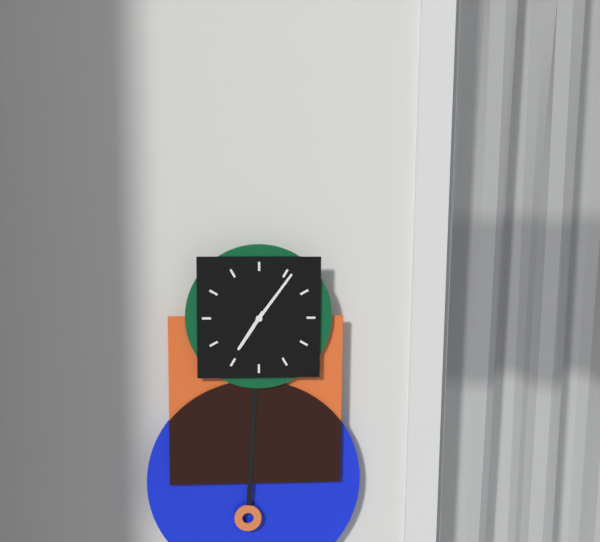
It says 7:06
